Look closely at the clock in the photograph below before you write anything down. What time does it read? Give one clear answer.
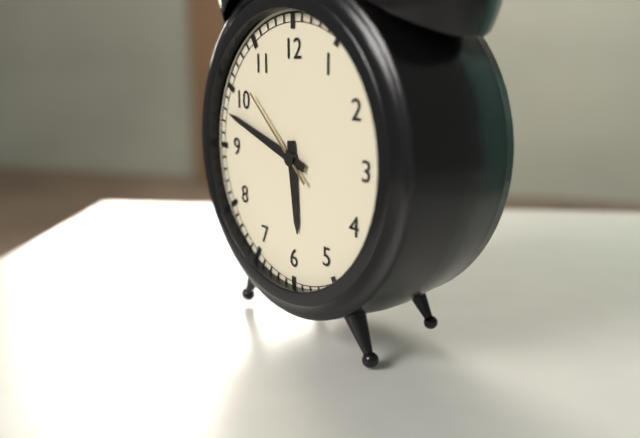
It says 5:48:52
